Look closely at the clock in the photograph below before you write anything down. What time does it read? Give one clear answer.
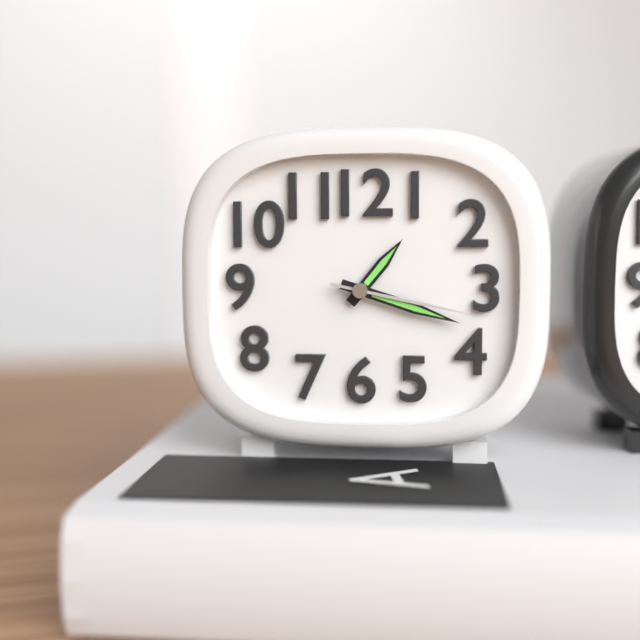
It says 1:18:17
